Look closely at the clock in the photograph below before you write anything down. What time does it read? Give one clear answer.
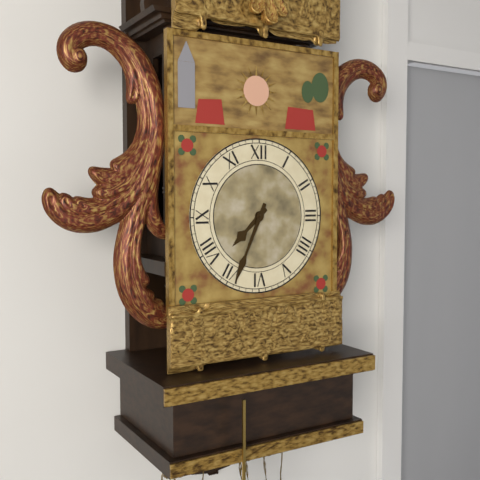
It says 7:34
